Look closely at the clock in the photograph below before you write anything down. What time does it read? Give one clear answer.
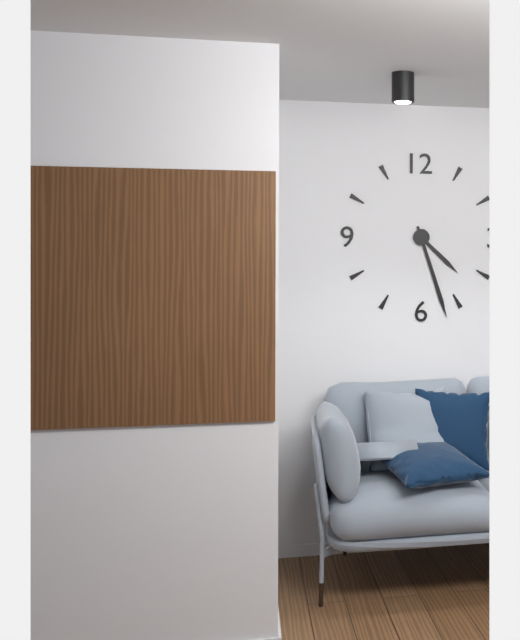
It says 4:27
